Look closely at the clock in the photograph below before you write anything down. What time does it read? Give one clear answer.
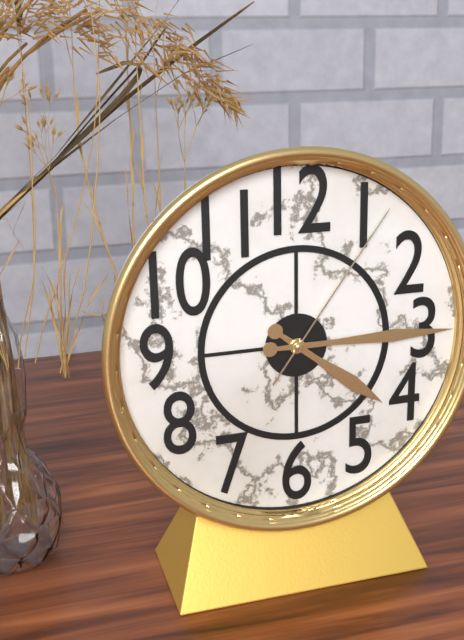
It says 4:15:06
